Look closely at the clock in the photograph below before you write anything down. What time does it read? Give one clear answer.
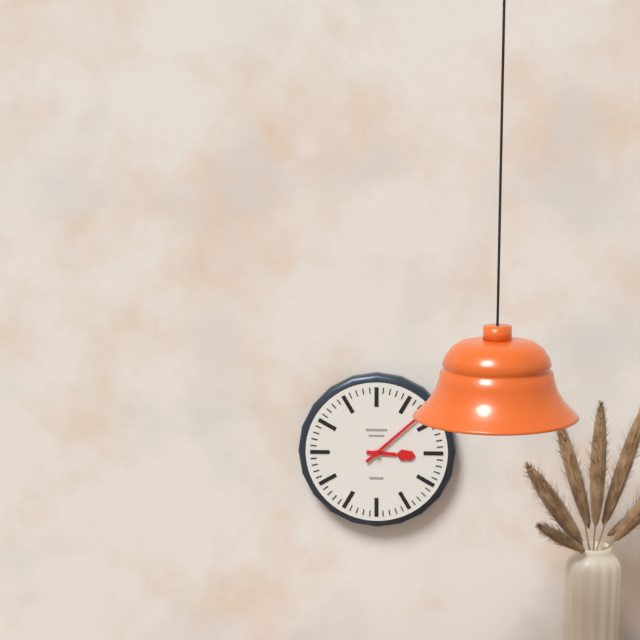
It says 3:08
